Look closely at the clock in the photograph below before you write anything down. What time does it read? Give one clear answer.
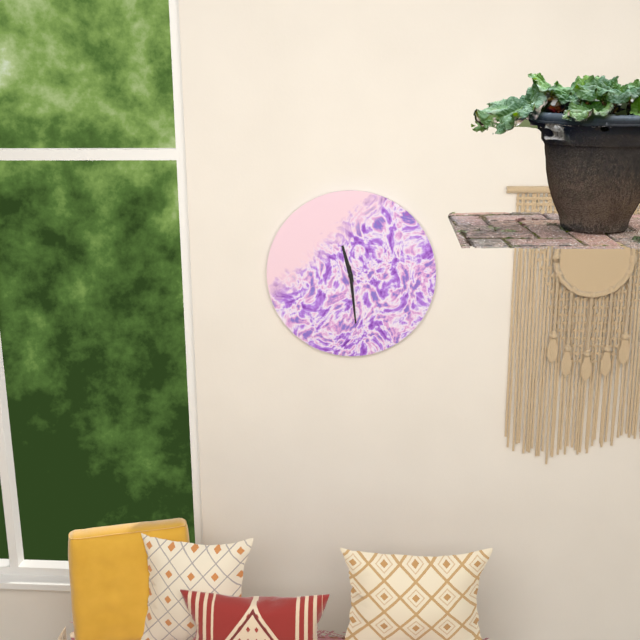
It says 11:29
